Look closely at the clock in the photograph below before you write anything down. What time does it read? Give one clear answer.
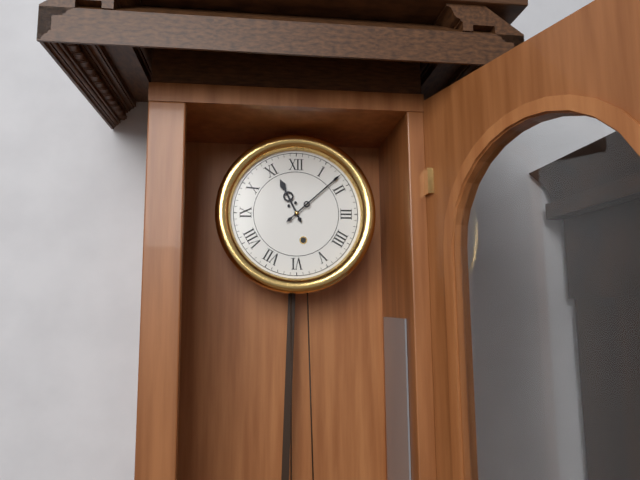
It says 11:08
